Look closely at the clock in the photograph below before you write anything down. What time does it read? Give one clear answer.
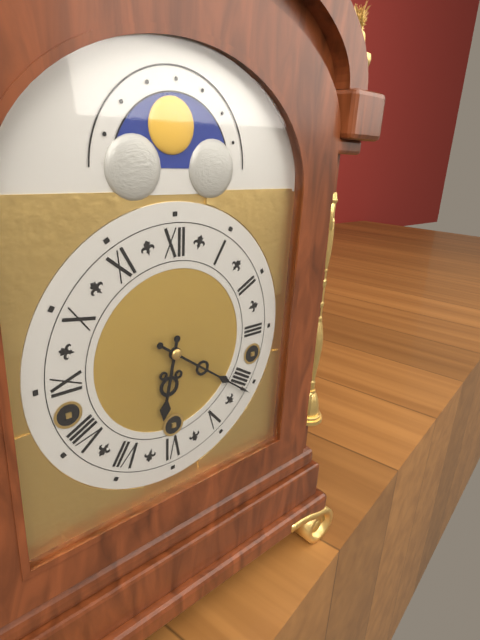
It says 6:21
